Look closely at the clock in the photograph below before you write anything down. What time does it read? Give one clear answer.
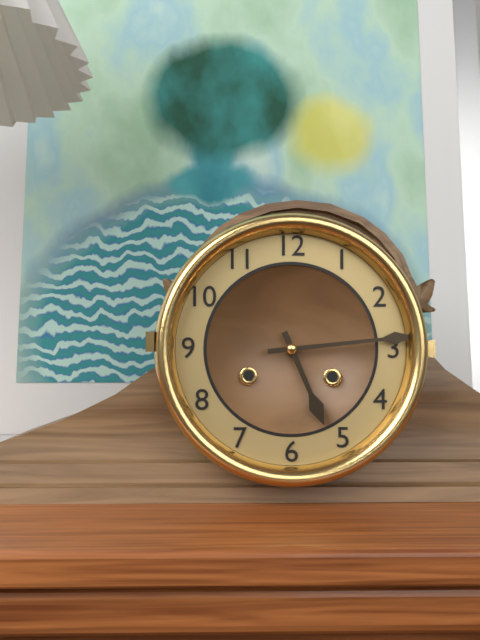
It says 5:14
